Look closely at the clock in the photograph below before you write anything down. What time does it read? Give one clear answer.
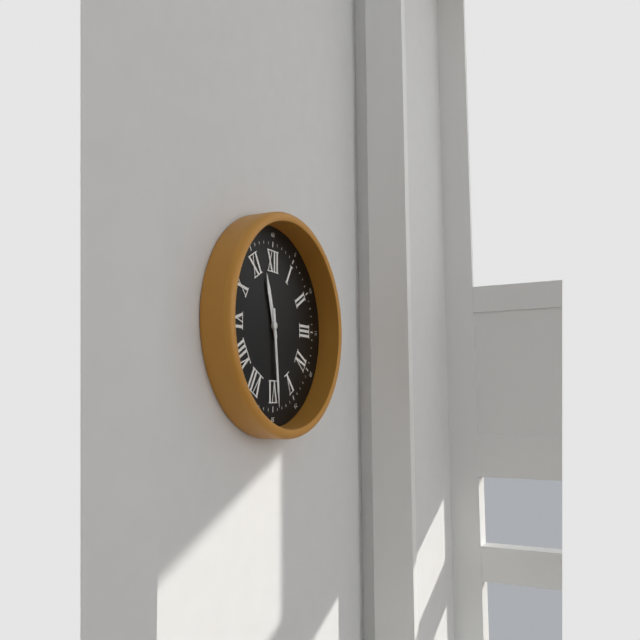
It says 11:29
